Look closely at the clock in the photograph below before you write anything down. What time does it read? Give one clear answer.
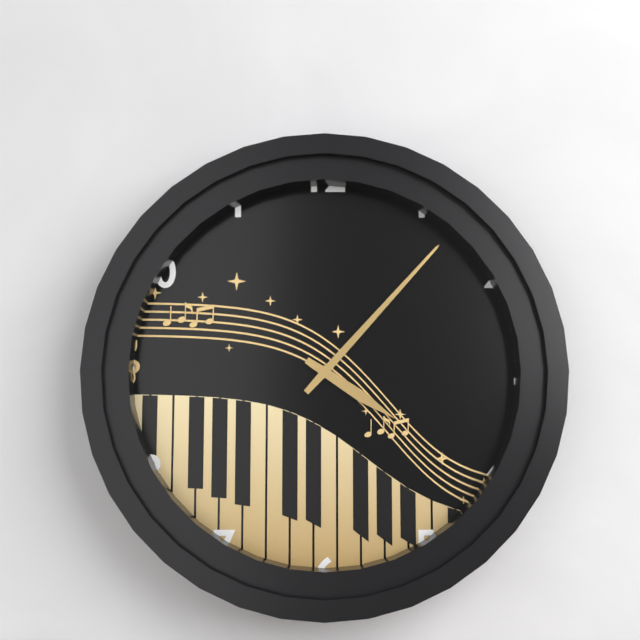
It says 4:07
